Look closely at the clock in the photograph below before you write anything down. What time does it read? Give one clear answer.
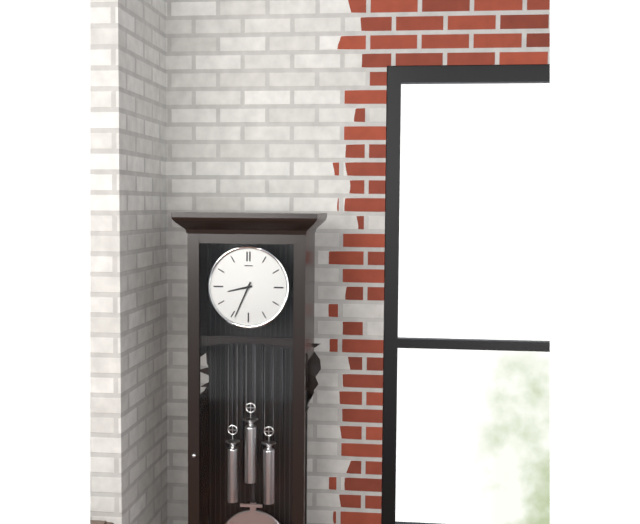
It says 8:34
